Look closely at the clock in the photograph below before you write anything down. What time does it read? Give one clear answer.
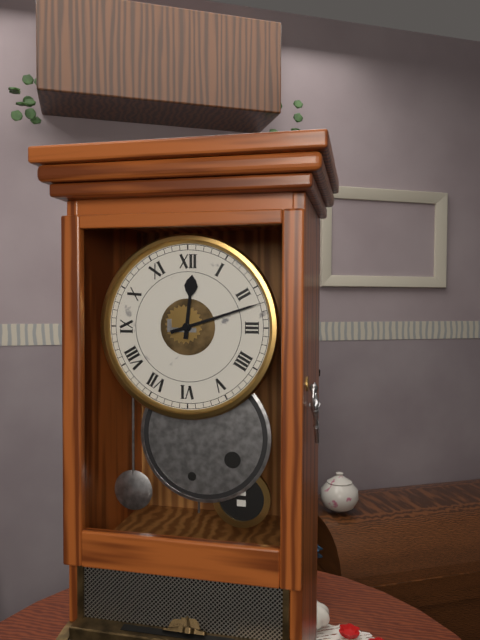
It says 12:12
